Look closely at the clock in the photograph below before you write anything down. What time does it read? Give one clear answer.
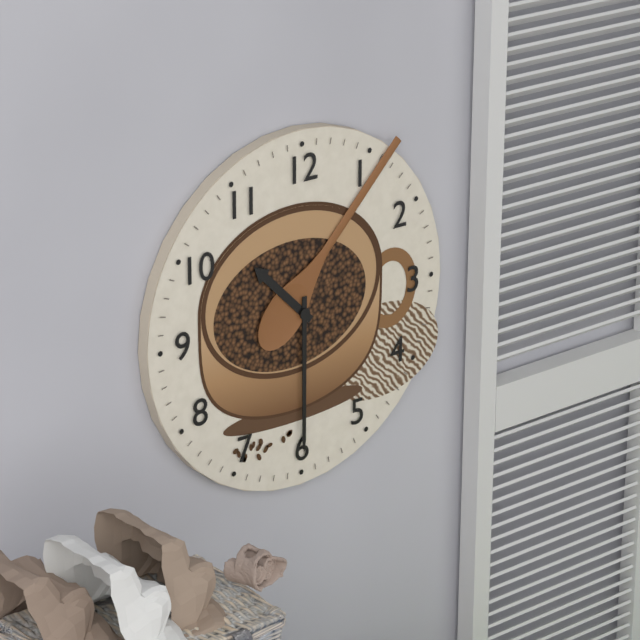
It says 10:30
